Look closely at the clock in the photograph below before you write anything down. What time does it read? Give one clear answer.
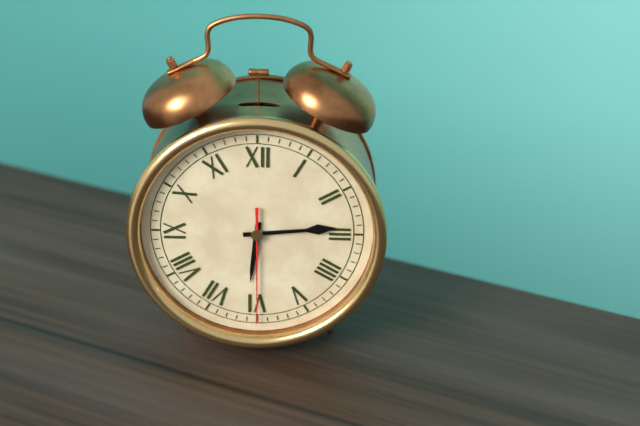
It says 6:14:30
